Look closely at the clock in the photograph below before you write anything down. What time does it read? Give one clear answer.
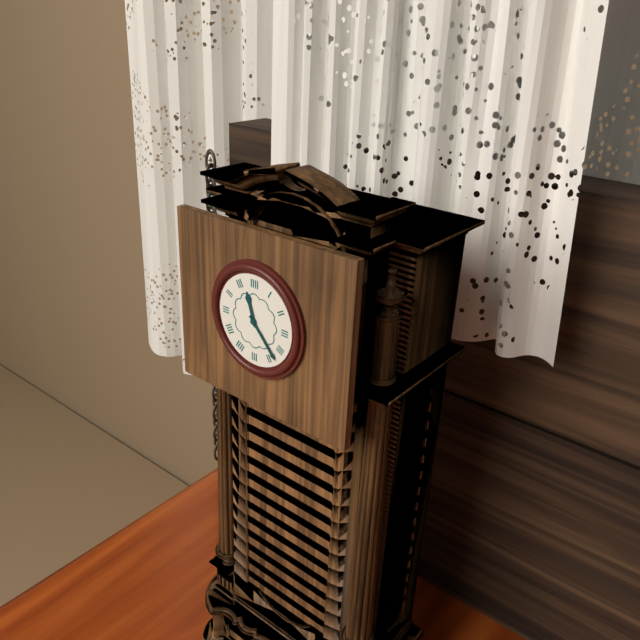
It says 11:23
